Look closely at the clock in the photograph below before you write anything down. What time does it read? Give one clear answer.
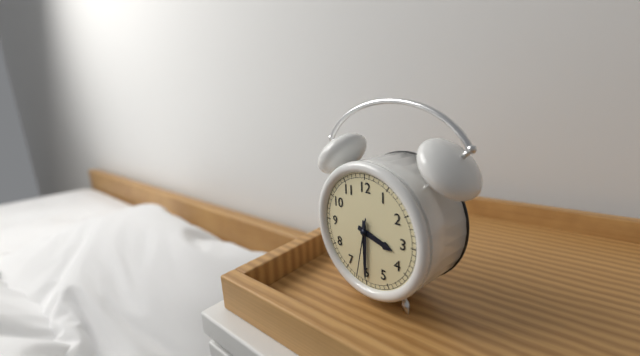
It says 3:30:32
